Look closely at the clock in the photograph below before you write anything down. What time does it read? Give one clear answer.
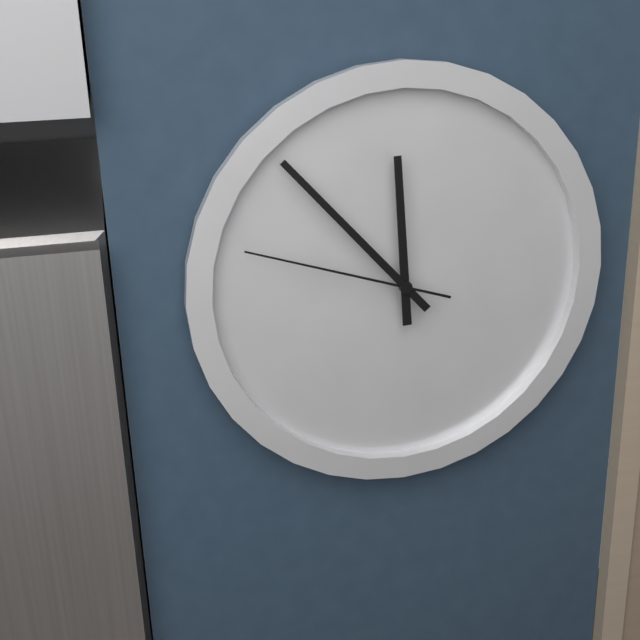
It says 11:53:48
